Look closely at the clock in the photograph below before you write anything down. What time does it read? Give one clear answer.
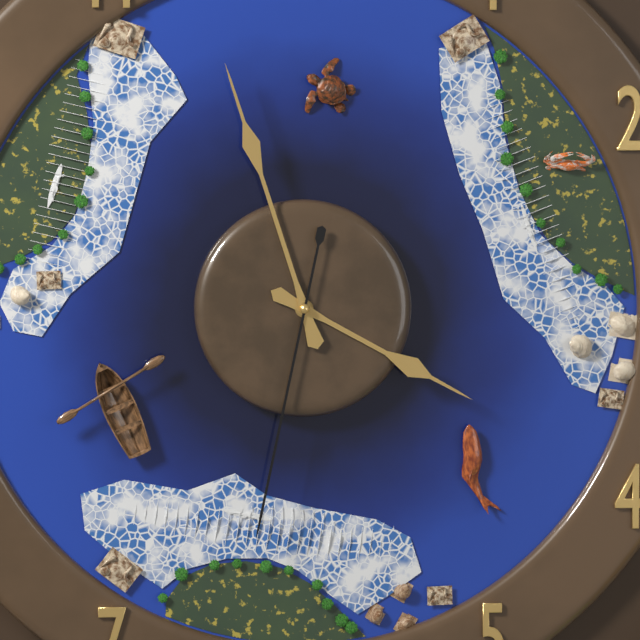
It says 3:57:32
